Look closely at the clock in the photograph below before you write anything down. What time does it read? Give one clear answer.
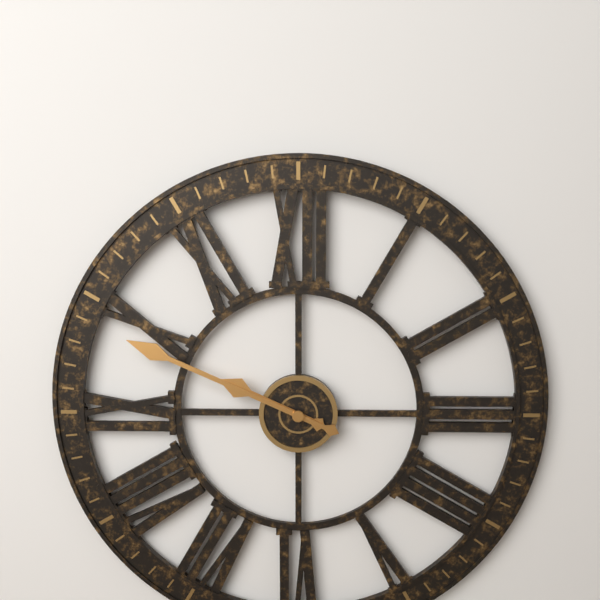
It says 9:49
